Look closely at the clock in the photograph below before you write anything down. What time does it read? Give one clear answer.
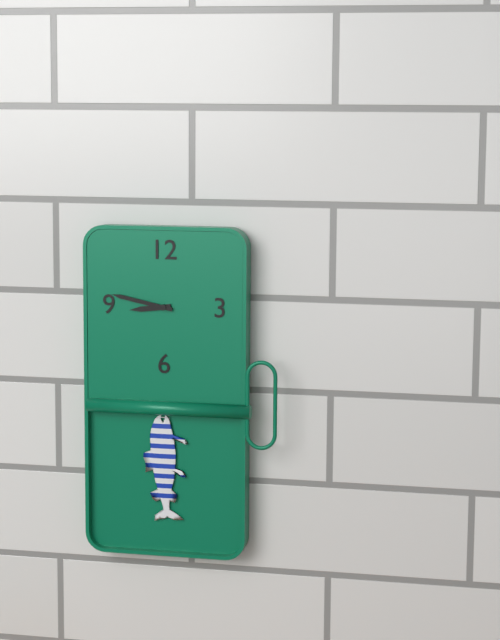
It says 8:47
